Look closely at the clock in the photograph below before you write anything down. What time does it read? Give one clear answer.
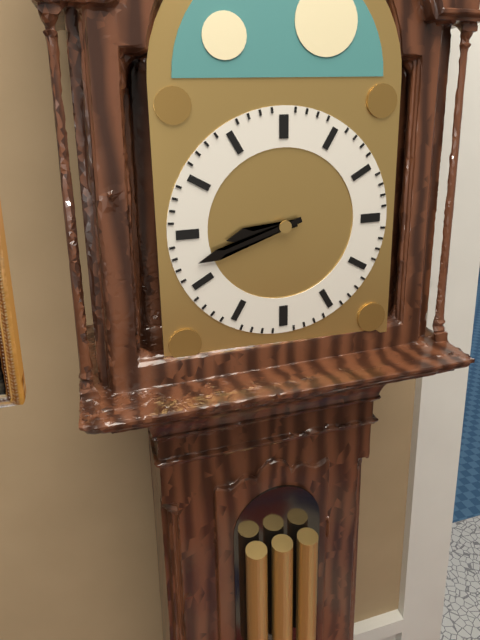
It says 8:42
